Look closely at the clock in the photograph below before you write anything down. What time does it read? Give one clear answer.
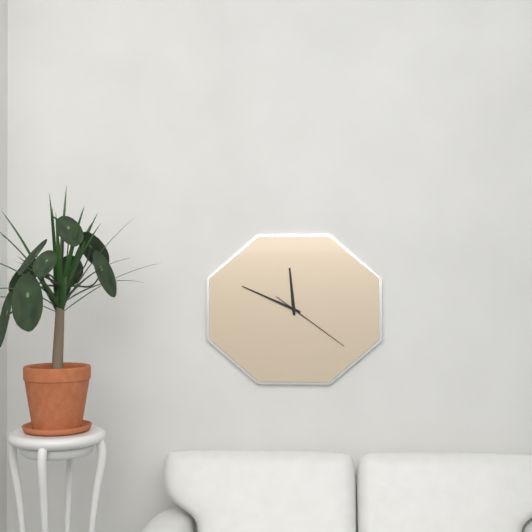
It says 11:49:21
